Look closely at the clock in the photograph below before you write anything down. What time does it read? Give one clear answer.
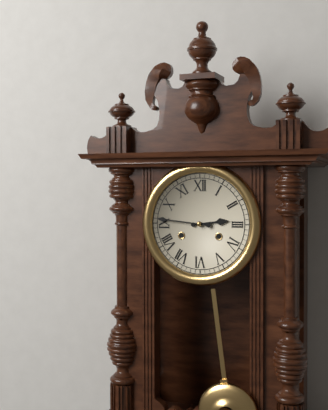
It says 2:46
